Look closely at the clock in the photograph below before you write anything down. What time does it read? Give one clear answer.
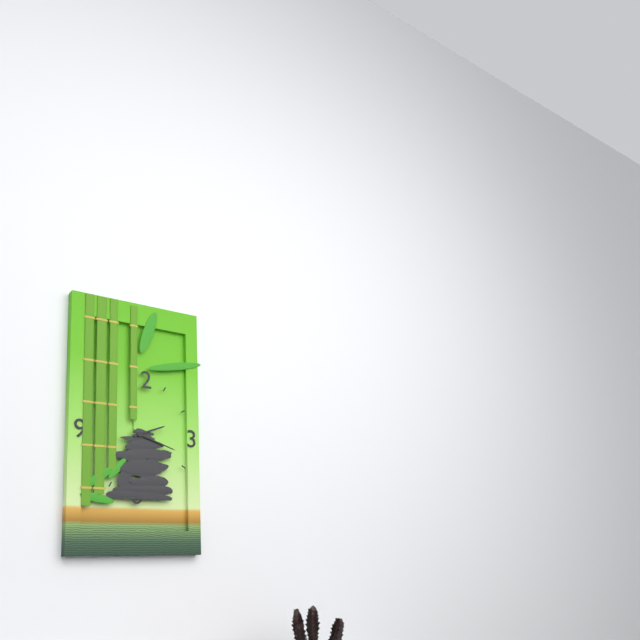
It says 2:18
